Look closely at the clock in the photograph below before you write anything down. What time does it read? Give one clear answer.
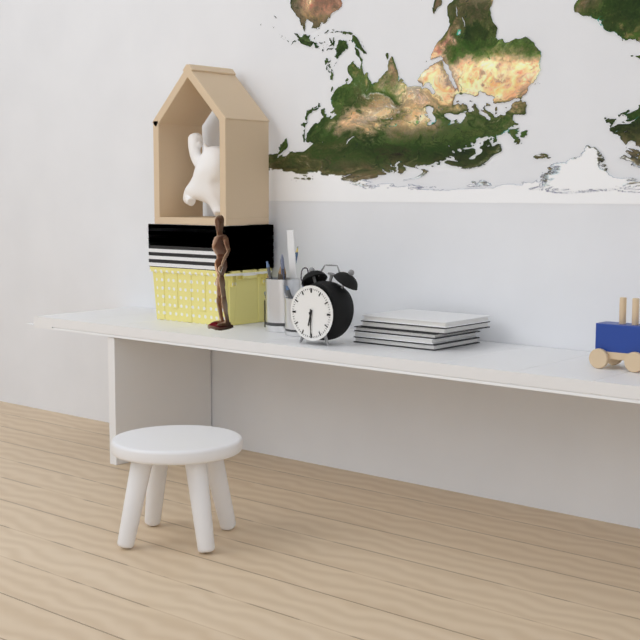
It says 6:30
